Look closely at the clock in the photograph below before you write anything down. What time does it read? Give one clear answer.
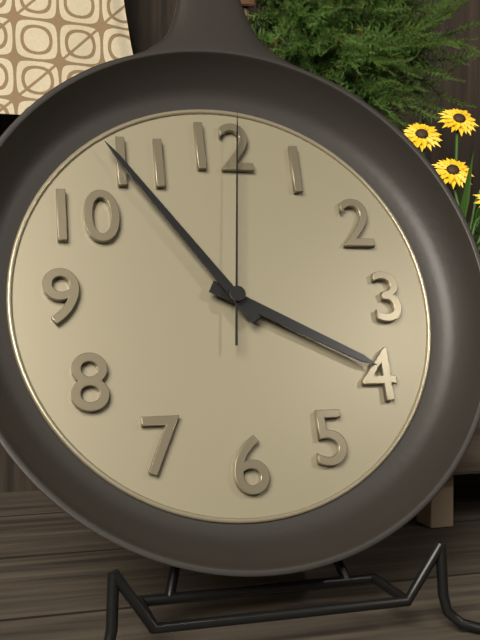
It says 3:54:01
